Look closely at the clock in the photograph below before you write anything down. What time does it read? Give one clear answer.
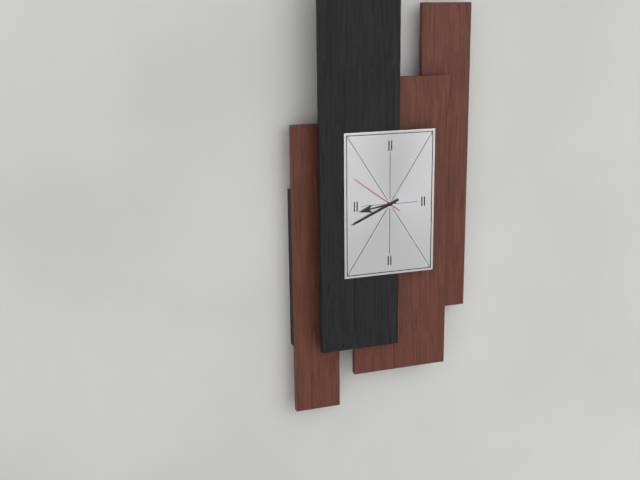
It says 8:41
